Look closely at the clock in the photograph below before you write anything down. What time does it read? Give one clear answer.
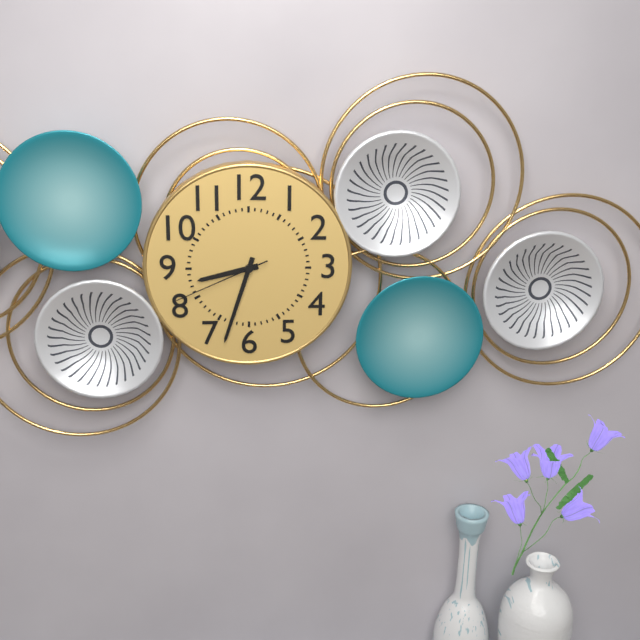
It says 8:33:41
